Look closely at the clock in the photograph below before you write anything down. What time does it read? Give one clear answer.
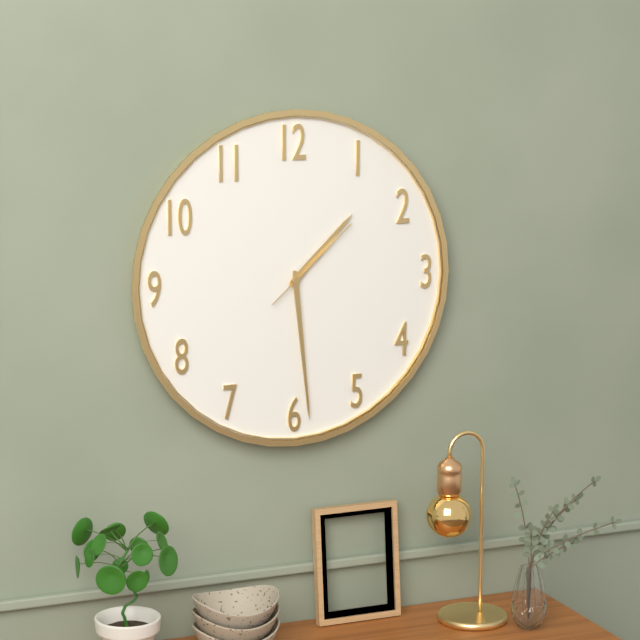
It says 1:29:08
